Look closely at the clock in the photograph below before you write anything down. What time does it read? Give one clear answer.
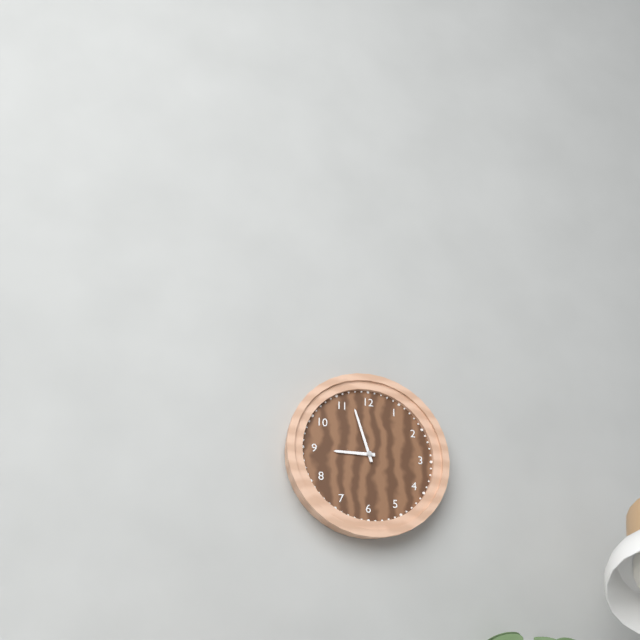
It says 8:57
